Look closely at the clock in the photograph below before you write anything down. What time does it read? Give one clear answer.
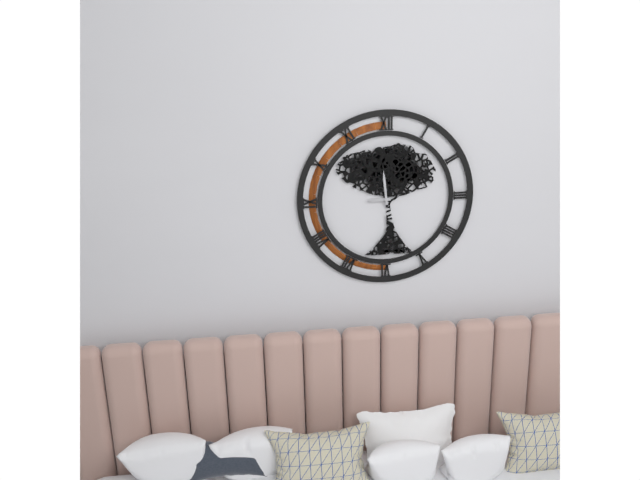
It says 8:59
